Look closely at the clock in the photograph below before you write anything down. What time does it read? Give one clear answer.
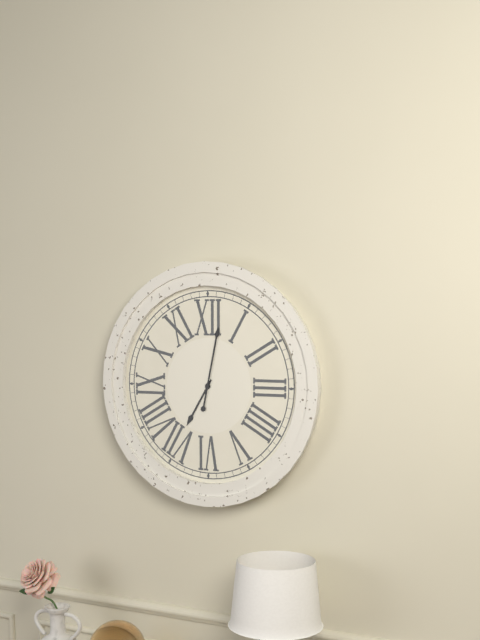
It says 7:02
